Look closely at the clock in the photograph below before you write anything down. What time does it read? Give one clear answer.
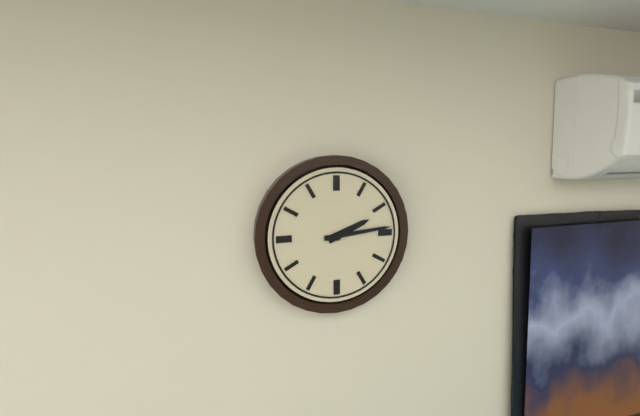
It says 2:14
